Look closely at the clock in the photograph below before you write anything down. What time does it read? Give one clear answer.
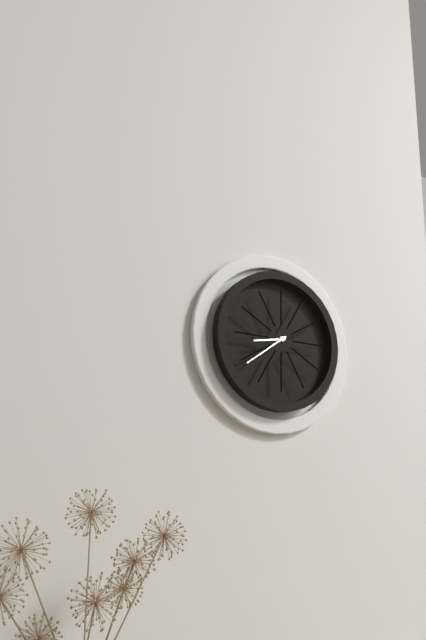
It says 8:39
